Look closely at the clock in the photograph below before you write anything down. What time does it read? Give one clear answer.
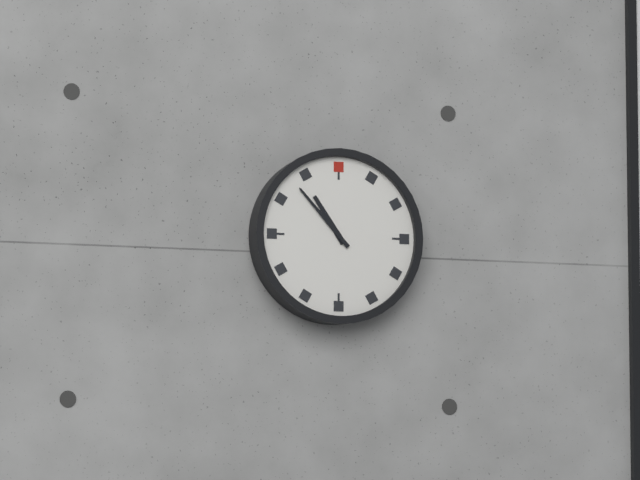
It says 10:53
